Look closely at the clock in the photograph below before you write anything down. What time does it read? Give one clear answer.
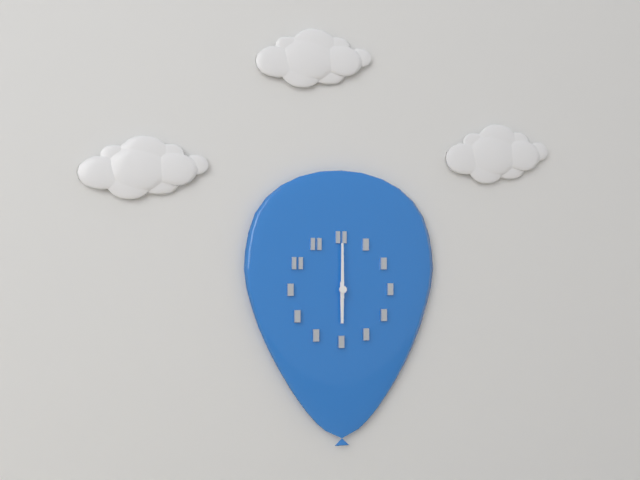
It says 6:00
